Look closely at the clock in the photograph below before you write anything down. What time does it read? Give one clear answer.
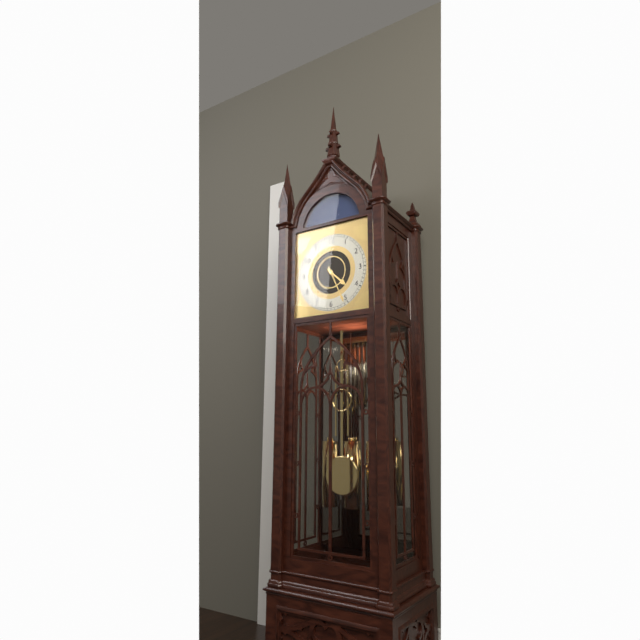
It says 4:26
